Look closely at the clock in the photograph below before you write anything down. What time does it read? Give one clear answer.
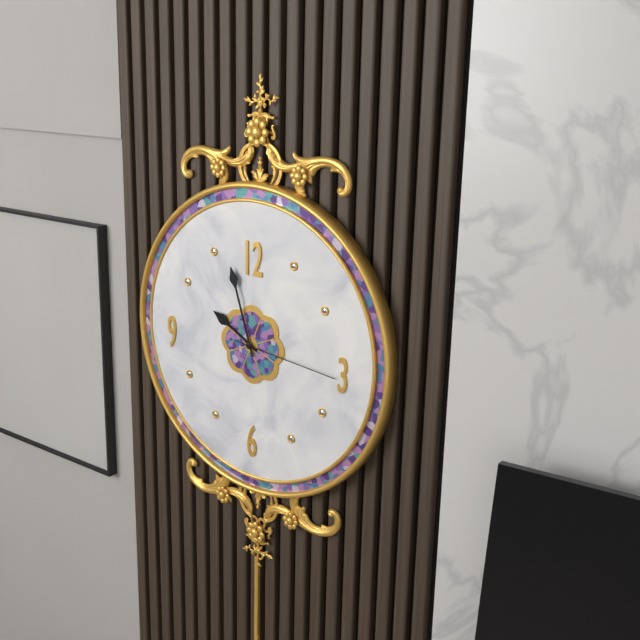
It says 9:57:16
